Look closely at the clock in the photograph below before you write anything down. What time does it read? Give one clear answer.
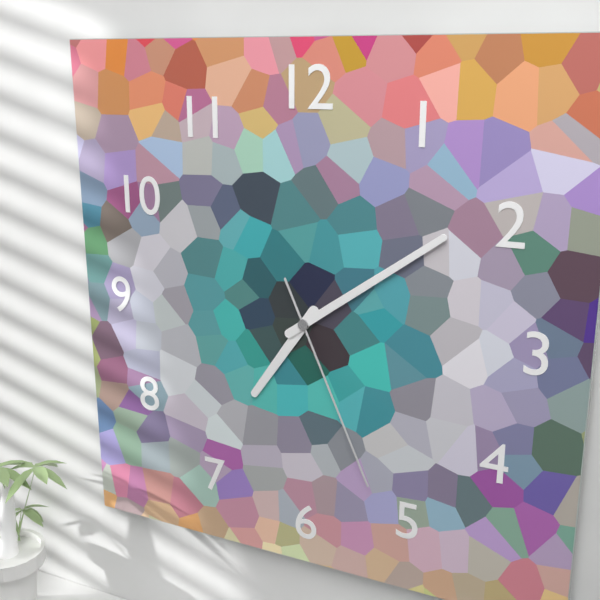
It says 7:09:26
